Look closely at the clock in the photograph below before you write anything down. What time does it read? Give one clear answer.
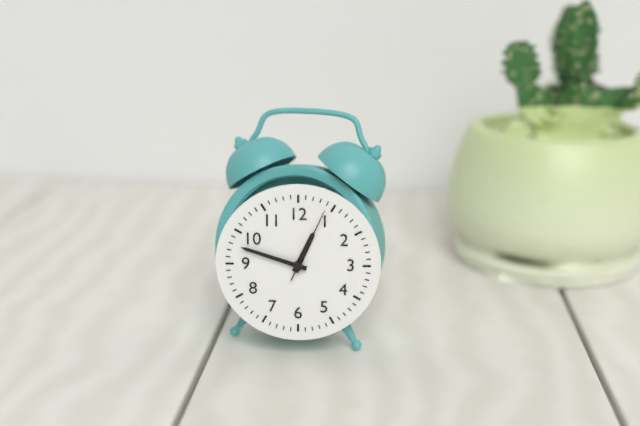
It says 12:48:04
